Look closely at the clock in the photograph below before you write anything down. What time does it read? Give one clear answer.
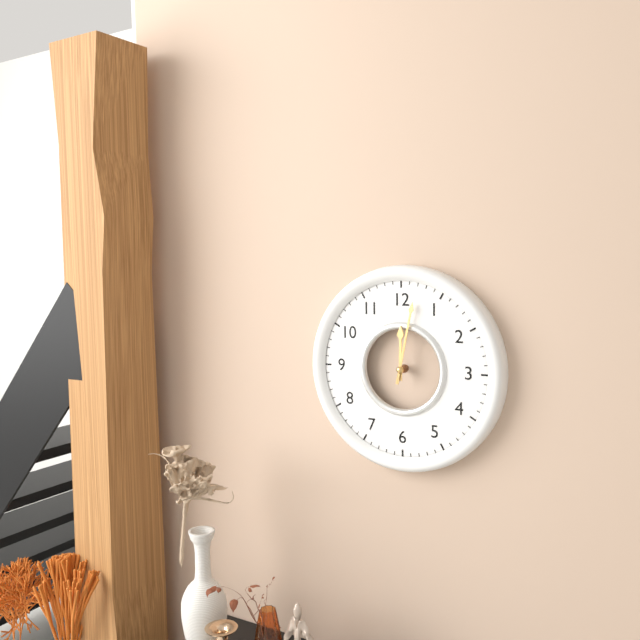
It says 12:02
